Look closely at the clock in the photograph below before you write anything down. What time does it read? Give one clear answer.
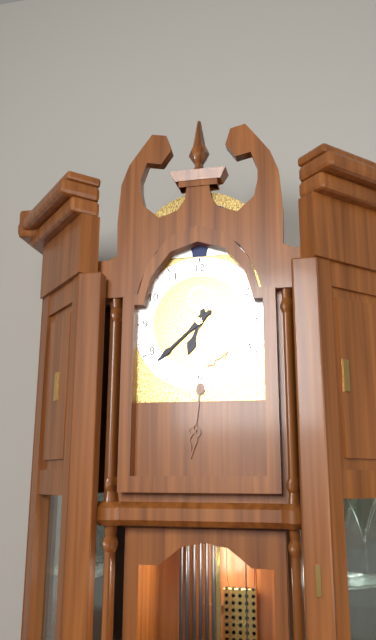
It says 6:38
